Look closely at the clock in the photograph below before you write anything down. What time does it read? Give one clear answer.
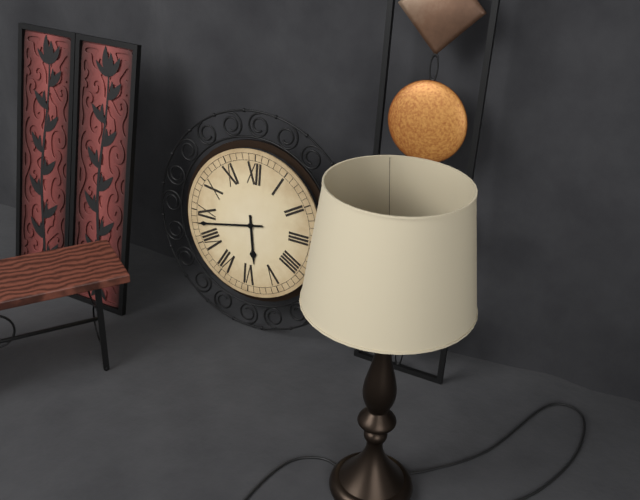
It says 5:43
